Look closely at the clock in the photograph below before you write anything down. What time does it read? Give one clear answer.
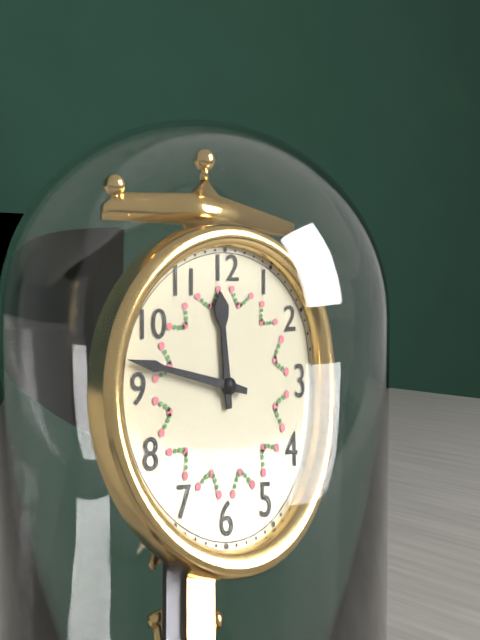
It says 11:47
